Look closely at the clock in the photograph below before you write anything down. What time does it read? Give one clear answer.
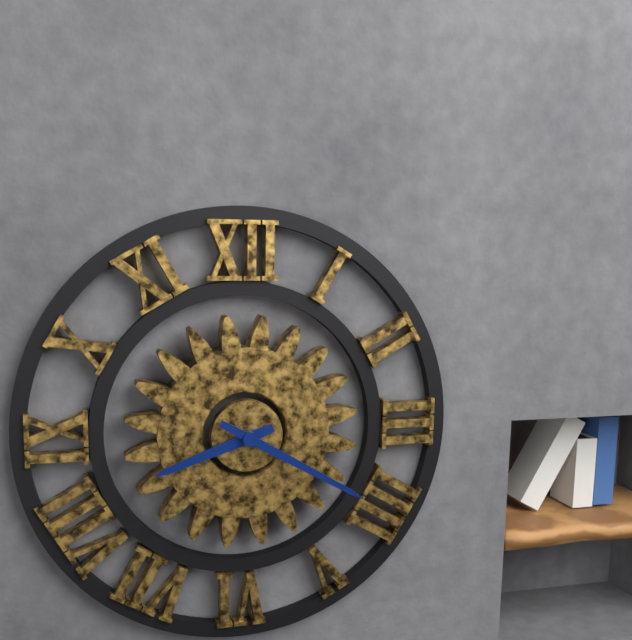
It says 8:20
